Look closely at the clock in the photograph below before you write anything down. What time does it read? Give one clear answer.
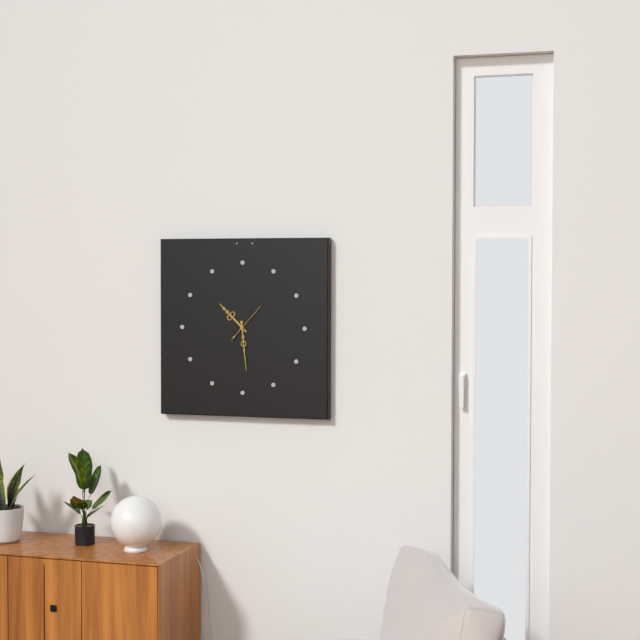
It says 10:29
